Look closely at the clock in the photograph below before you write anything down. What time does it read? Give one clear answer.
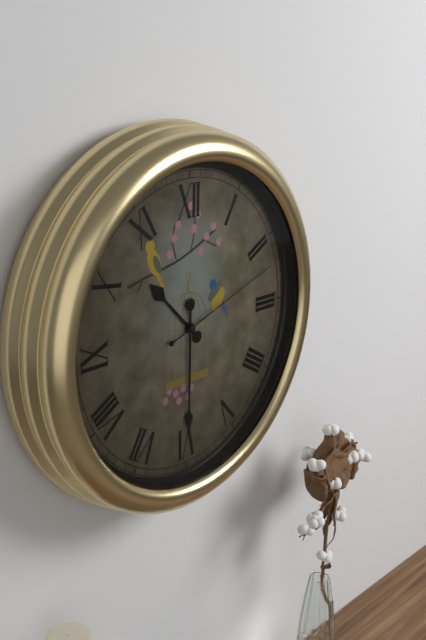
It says 10:30:12
